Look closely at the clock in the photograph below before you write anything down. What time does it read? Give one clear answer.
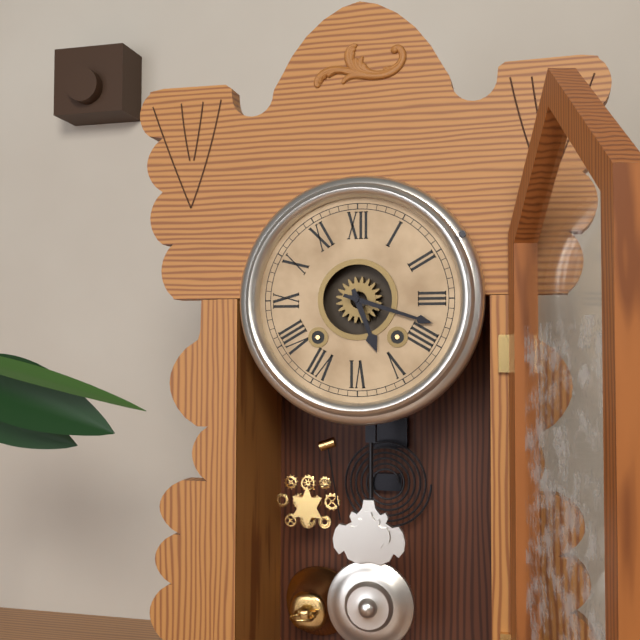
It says 5:18
